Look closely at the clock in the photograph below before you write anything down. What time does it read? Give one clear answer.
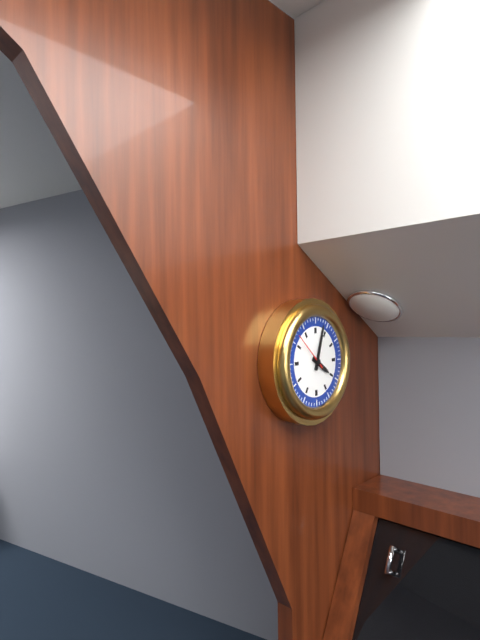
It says 4:03
